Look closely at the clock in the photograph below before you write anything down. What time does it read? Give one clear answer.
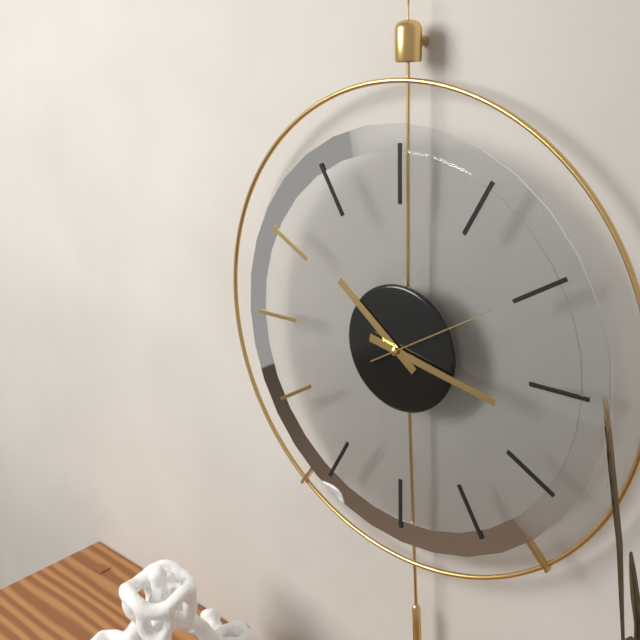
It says 10:17:10
